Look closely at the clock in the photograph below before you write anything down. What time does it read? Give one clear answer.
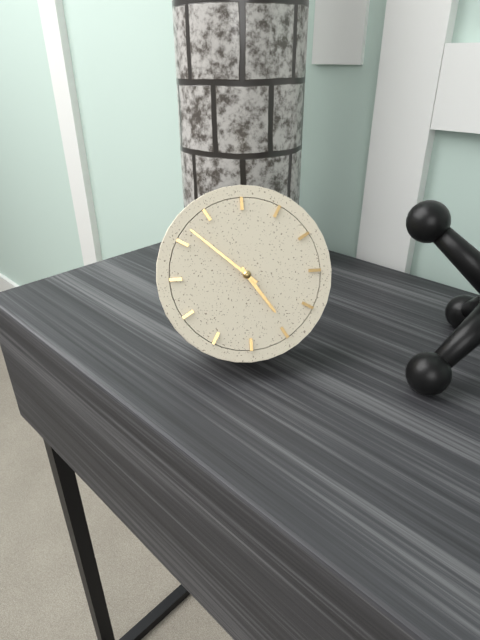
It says 4:52
